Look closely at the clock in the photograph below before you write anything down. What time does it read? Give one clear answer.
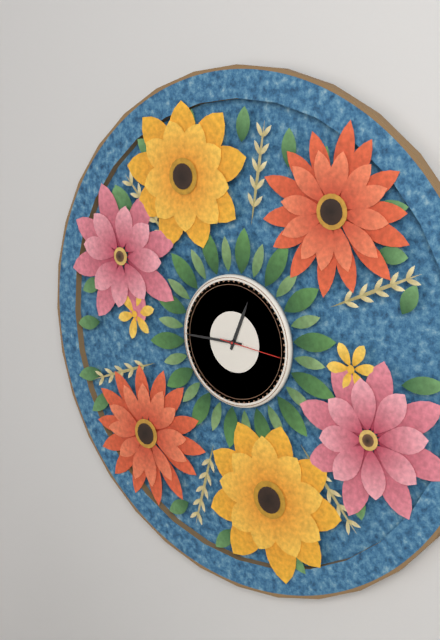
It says 12:45
